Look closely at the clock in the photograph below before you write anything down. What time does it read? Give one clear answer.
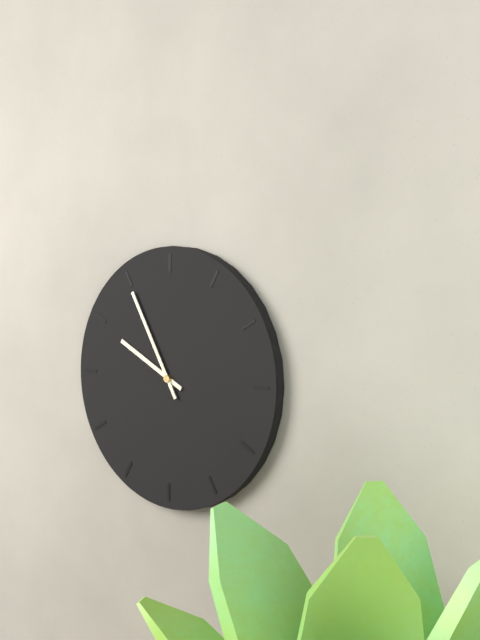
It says 9:55
